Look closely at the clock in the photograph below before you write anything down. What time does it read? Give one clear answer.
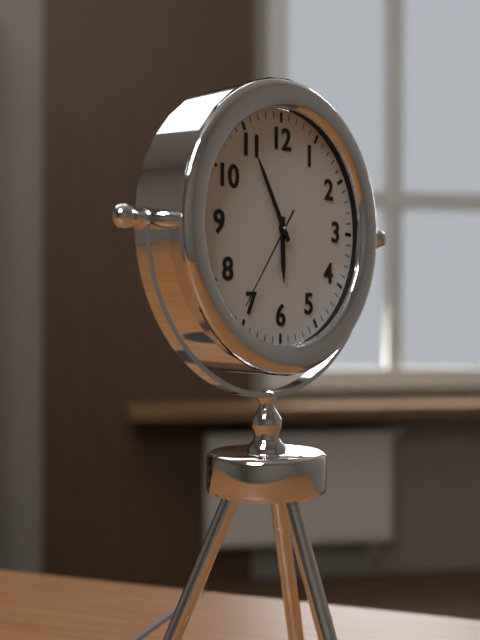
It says 5:55:36
